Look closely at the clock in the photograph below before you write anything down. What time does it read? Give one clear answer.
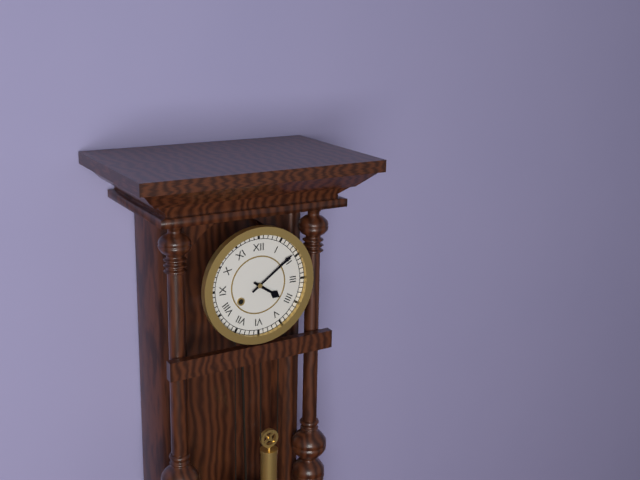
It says 4:09
